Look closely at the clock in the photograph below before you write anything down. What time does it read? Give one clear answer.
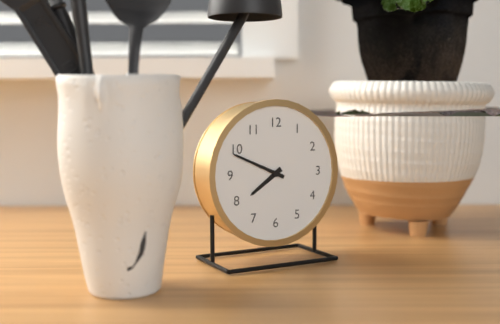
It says 7:49
